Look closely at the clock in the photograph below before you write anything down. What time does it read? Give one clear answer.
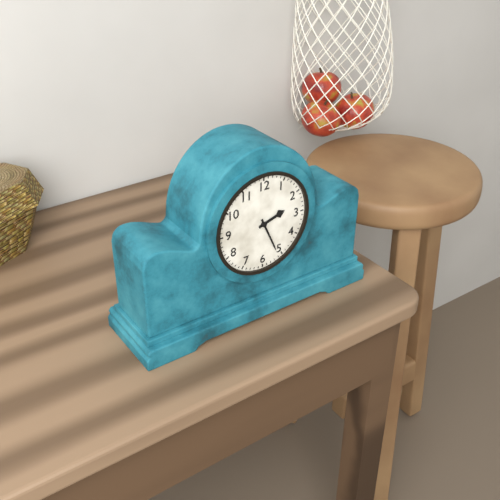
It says 2:26
